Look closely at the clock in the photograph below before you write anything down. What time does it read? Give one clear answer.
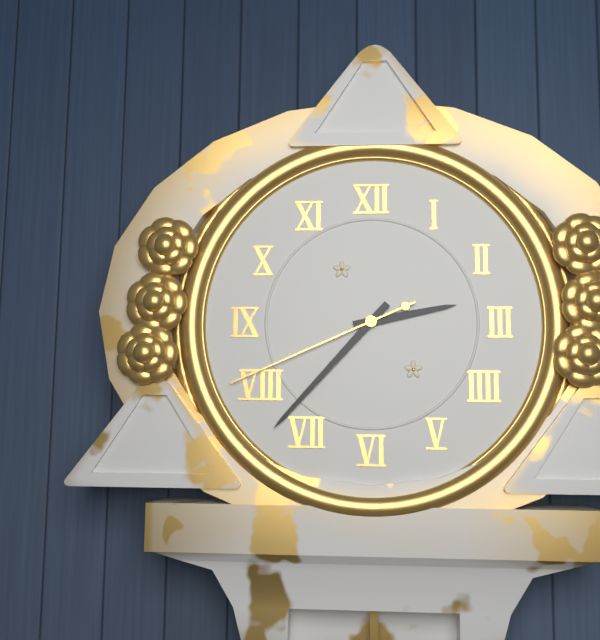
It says 2:37:41
